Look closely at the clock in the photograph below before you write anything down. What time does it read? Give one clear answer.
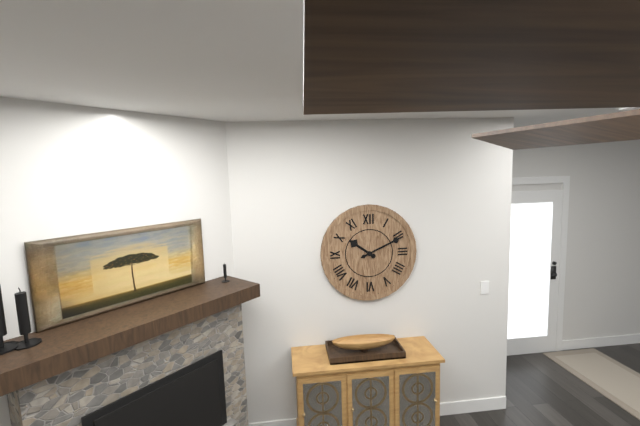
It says 10:11
